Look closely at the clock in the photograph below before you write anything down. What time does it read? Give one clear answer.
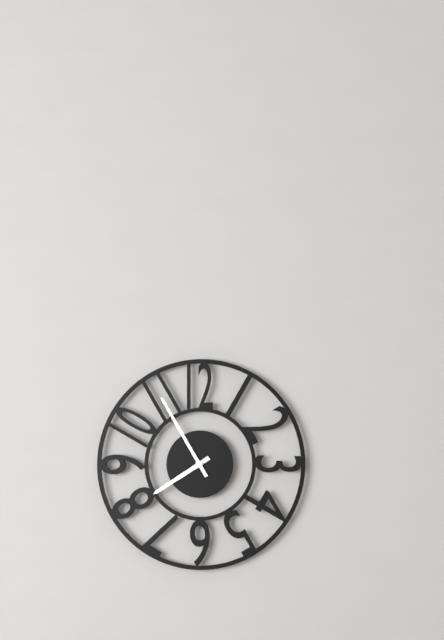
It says 7:55
